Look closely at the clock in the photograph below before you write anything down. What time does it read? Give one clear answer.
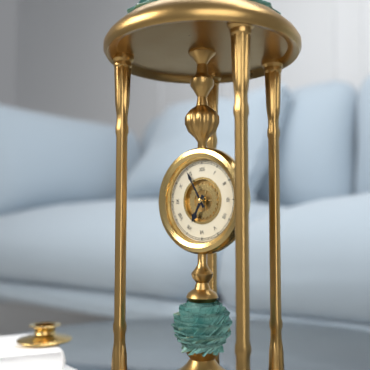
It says 6:55
